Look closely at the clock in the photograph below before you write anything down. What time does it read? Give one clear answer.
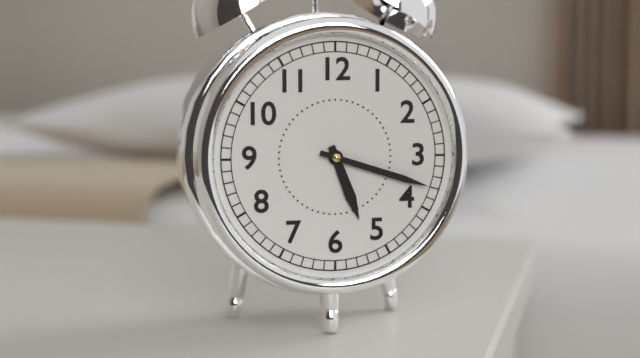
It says 5:18
